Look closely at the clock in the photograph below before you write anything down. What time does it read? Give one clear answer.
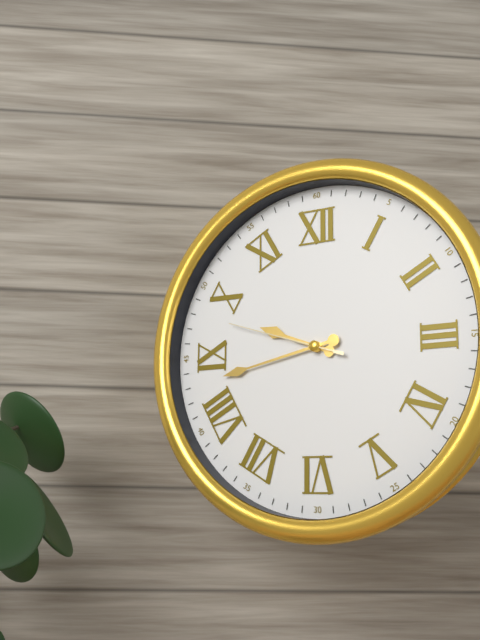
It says 9:43:48
